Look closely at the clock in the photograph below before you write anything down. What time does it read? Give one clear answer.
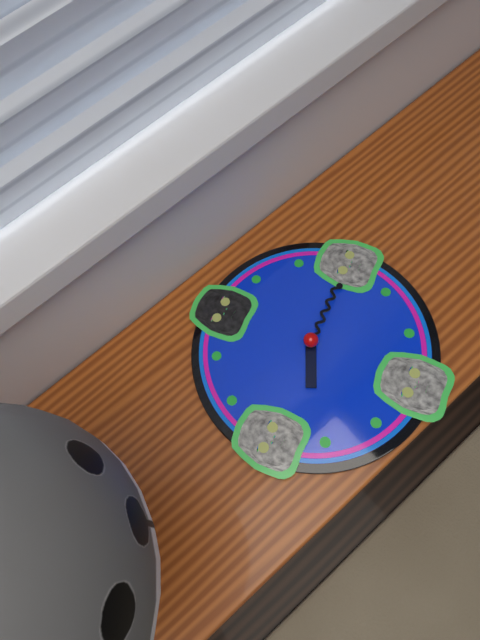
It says 8:15
